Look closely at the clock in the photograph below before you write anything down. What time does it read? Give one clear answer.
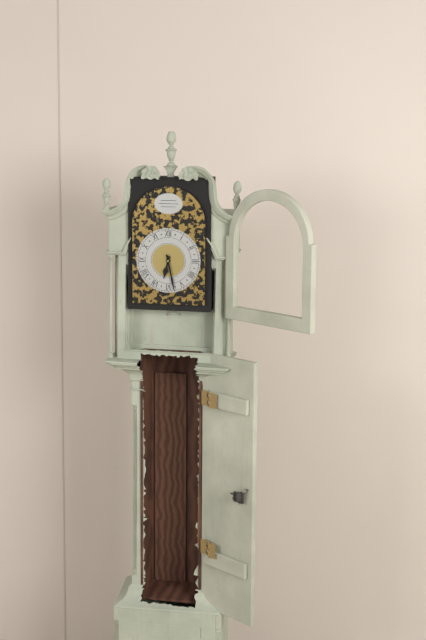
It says 6:28
